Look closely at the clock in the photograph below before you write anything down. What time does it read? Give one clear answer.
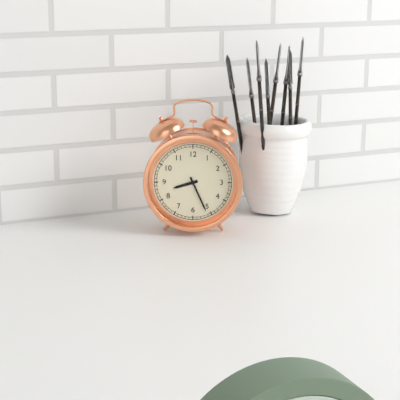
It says 8:26
